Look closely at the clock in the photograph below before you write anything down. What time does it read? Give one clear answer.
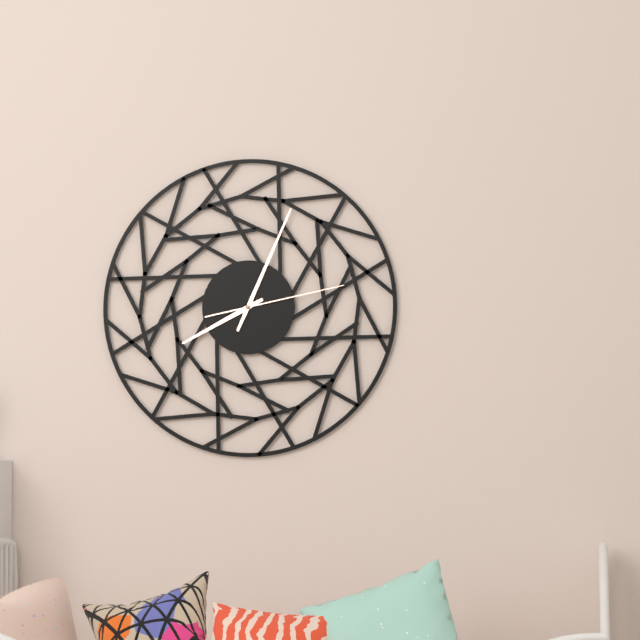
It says 8:04:13
